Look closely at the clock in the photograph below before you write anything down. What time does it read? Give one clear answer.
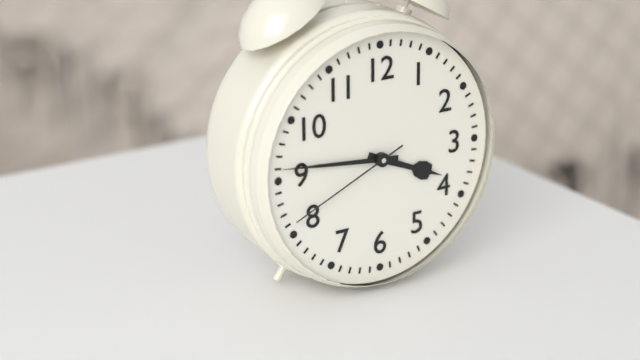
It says 3:46:41
